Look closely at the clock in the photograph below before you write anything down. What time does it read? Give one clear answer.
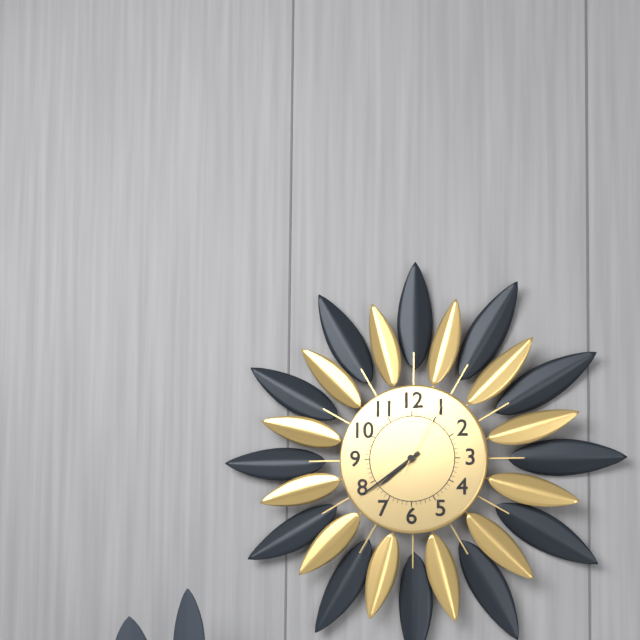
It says 7:39:05
